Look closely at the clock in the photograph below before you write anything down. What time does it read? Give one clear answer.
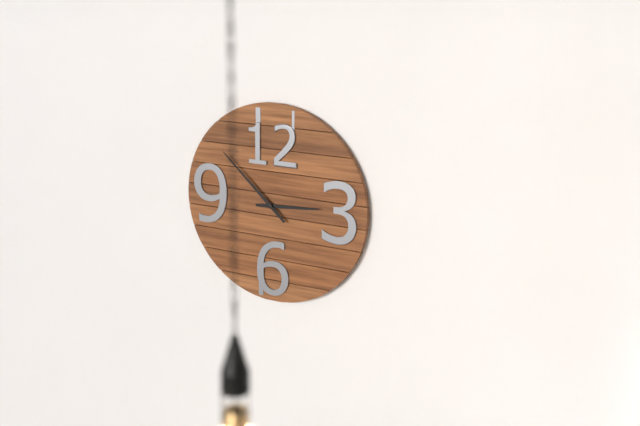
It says 2:52
